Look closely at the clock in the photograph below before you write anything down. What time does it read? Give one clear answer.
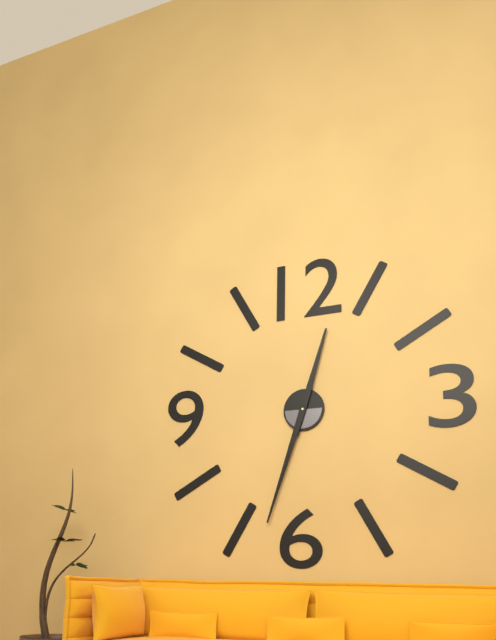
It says 12:33
